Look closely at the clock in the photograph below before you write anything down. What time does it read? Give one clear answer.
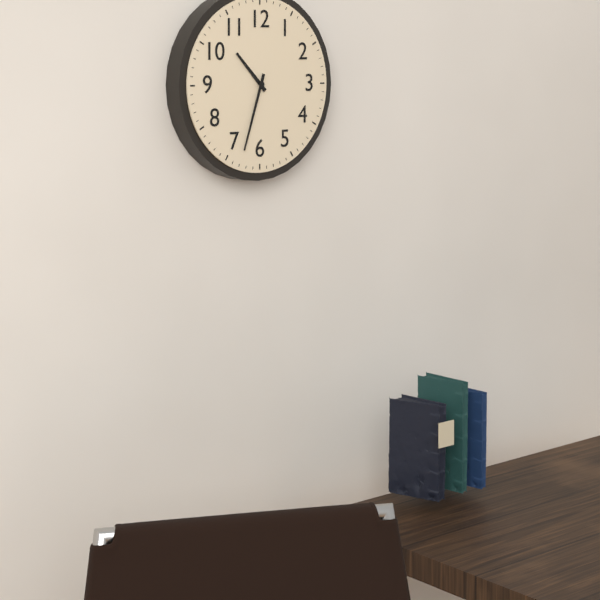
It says 10:33
